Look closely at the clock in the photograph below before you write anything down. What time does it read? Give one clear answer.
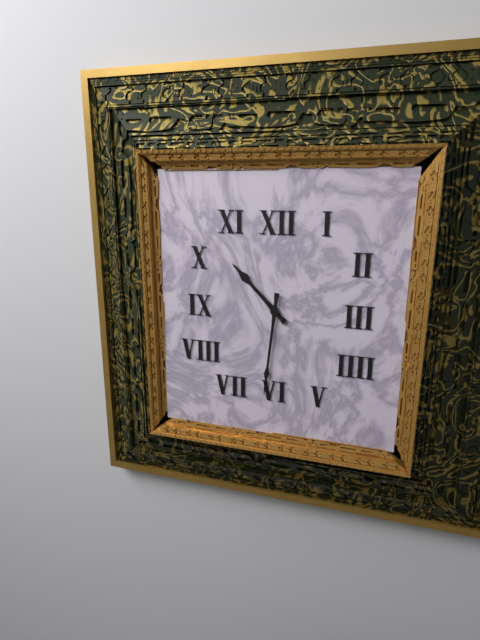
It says 10:31
